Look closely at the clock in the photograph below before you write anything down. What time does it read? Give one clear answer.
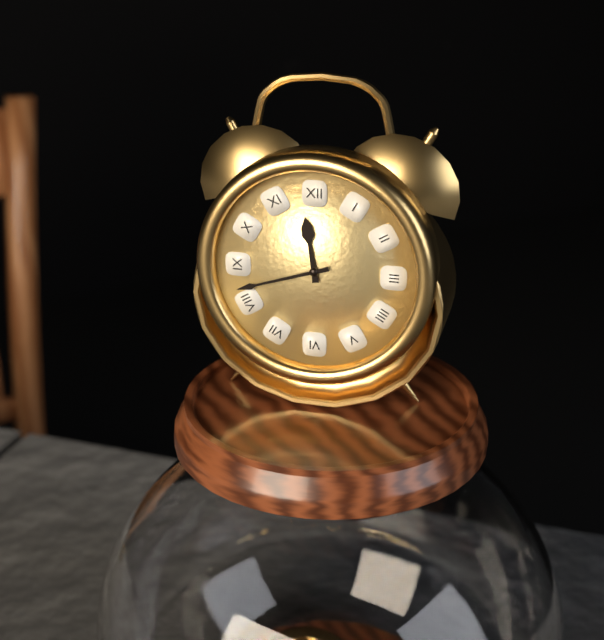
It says 11:42
